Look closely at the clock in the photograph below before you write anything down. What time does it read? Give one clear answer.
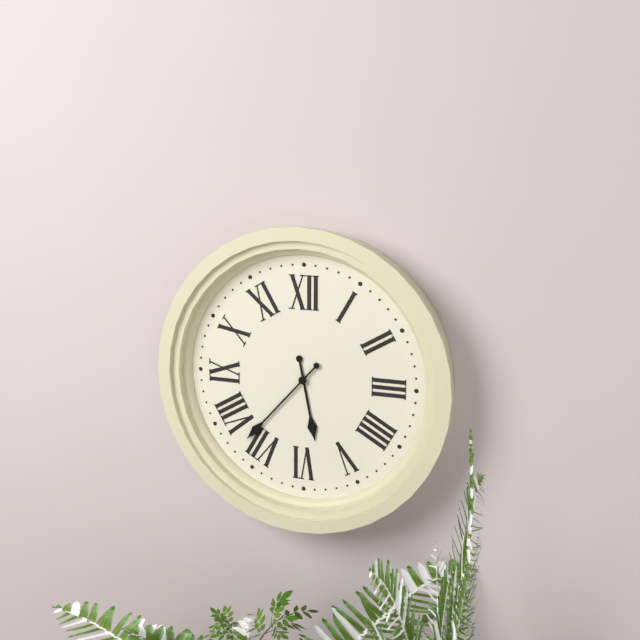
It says 5:37
